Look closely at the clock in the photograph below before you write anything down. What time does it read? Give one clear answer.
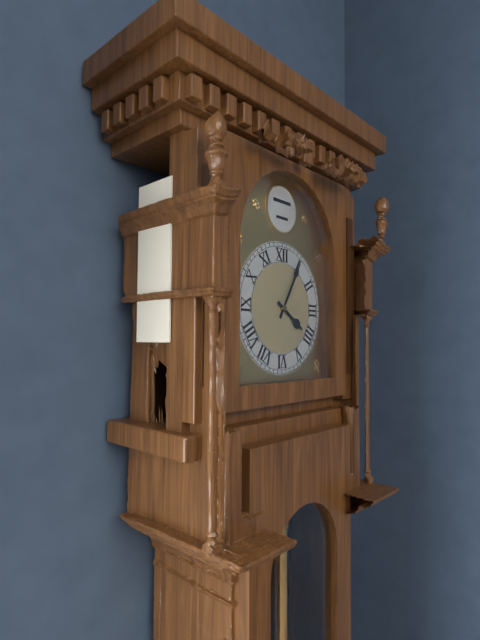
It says 4:05
